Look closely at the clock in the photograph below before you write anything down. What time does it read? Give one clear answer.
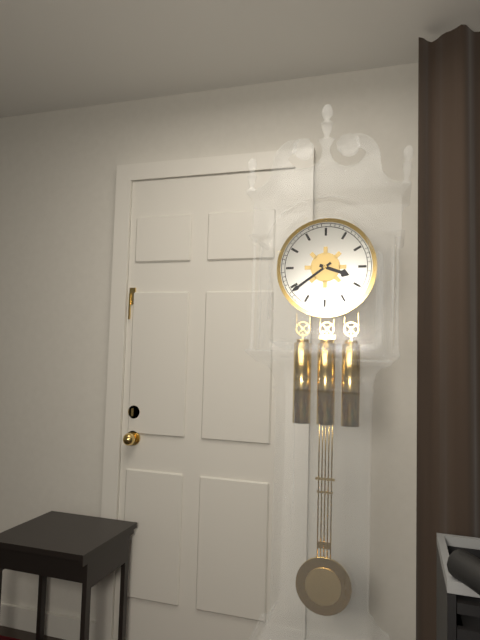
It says 3:39
